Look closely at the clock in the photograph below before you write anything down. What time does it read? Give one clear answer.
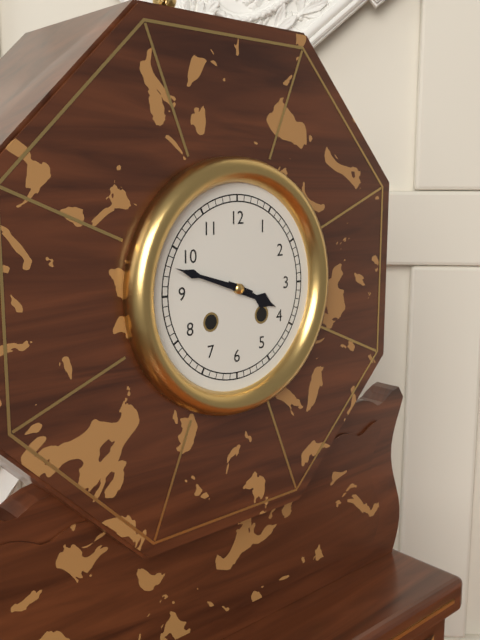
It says 3:48
